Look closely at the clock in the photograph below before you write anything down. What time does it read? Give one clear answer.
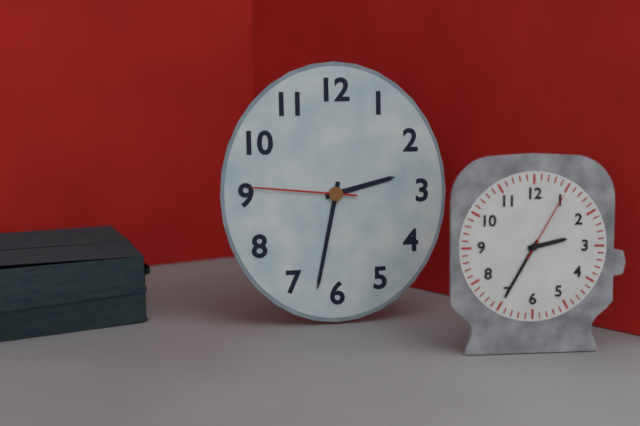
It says 2:32:46
